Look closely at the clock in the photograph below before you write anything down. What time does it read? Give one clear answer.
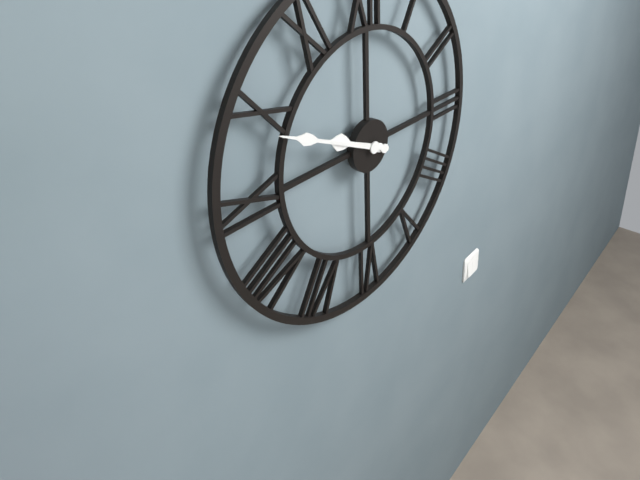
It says 9:49
